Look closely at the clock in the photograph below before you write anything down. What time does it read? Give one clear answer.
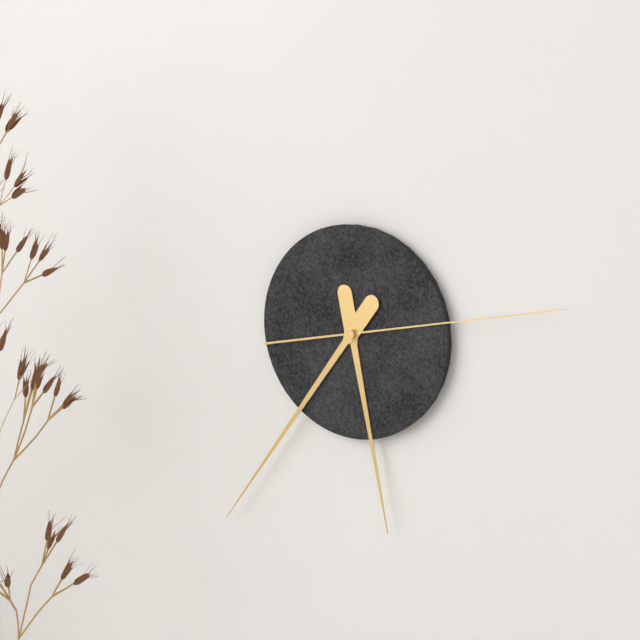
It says 5:36:13
